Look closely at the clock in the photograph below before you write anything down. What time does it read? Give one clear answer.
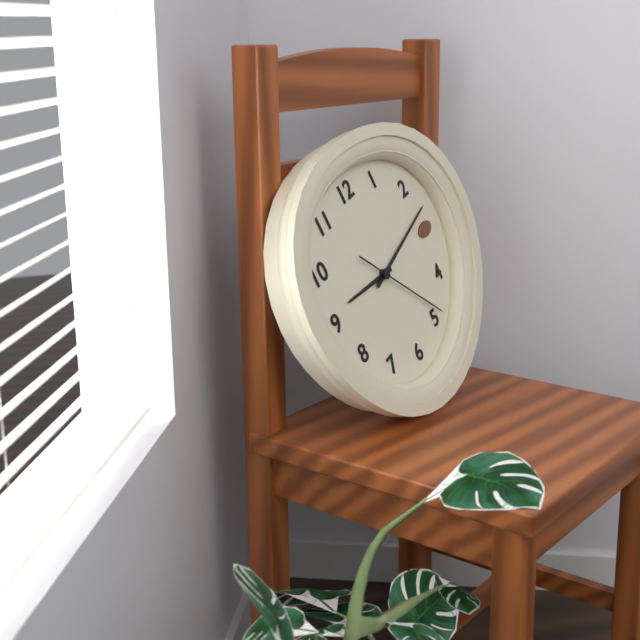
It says 9:13:24
